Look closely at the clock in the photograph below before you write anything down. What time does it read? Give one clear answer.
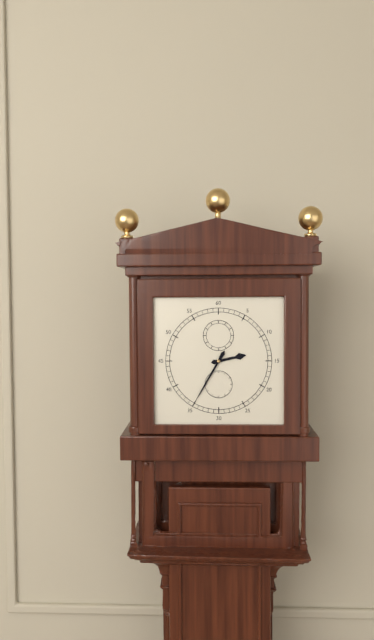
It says 2:35
